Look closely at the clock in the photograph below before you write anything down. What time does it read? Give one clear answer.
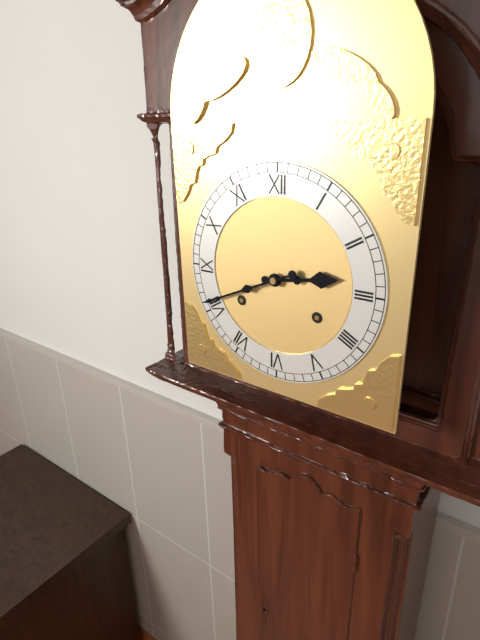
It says 2:41
